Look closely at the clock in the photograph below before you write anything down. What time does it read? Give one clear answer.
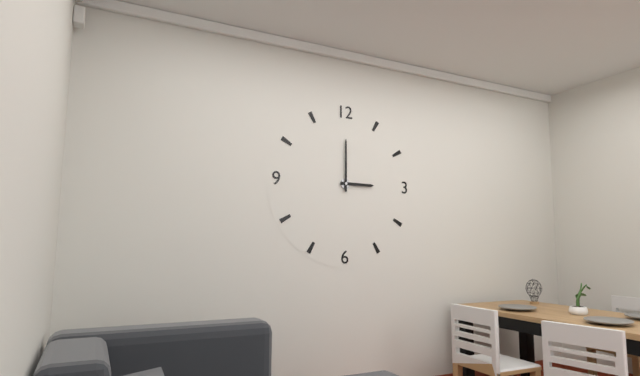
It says 3:00
